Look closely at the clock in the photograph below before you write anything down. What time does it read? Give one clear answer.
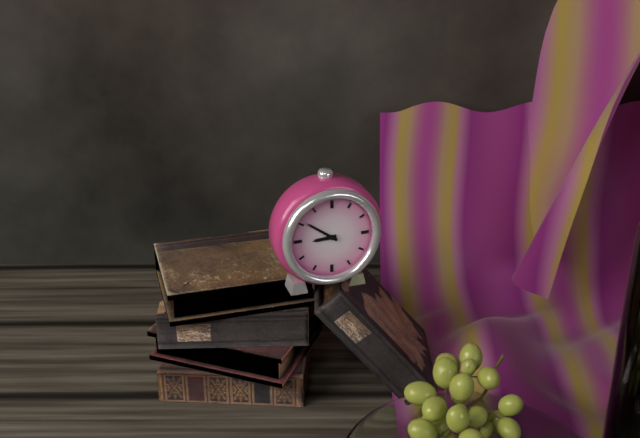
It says 8:51
